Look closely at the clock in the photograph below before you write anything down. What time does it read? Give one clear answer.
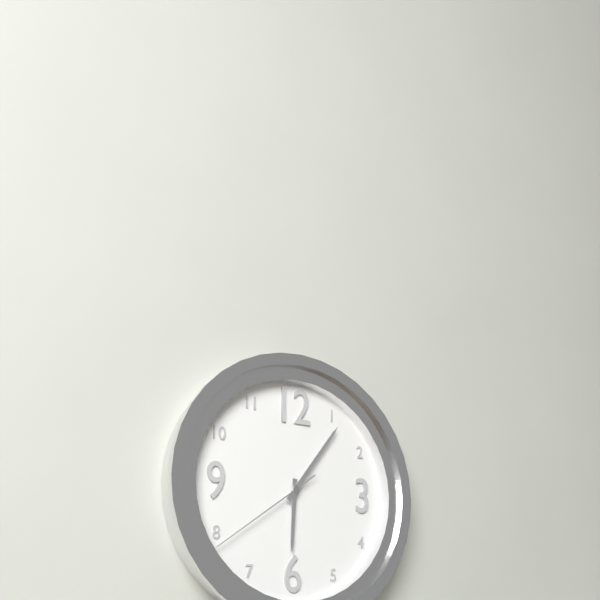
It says 6:06:39
